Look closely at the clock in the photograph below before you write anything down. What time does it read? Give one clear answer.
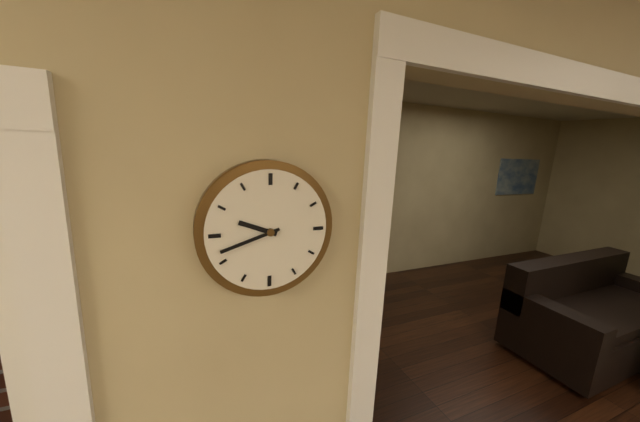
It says 9:42
